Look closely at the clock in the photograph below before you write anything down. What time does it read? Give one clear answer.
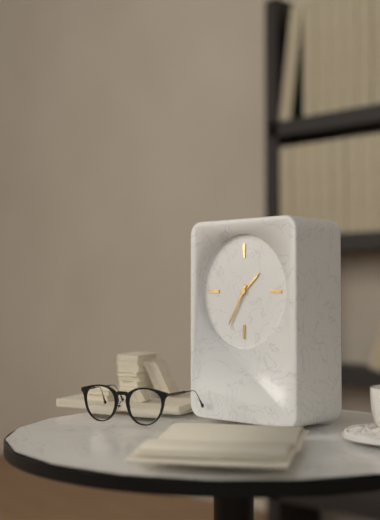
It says 1:35
